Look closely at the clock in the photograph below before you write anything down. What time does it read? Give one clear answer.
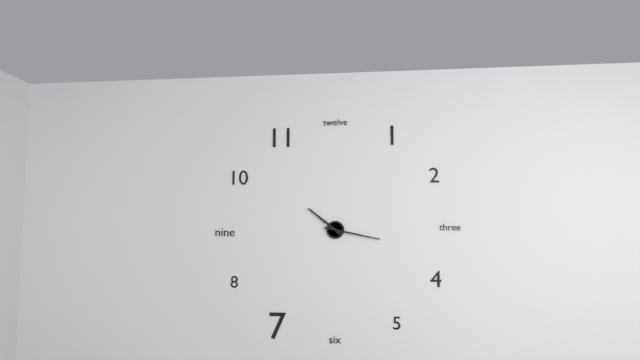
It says 10:17
